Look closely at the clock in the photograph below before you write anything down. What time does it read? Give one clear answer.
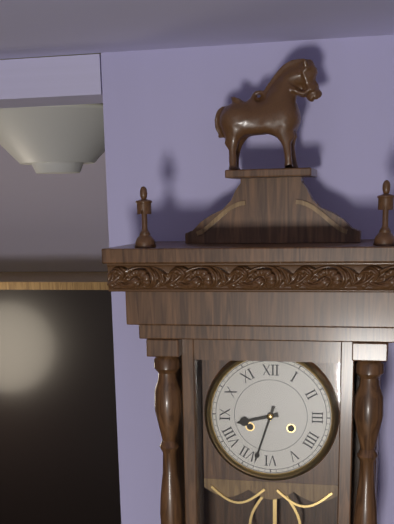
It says 8:33
